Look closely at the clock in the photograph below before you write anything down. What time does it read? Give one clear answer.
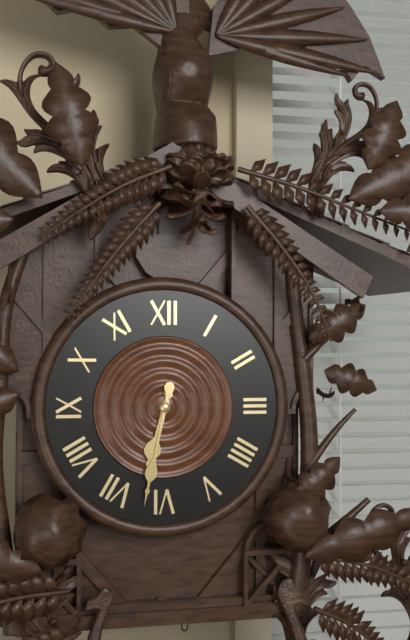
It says 6:32
